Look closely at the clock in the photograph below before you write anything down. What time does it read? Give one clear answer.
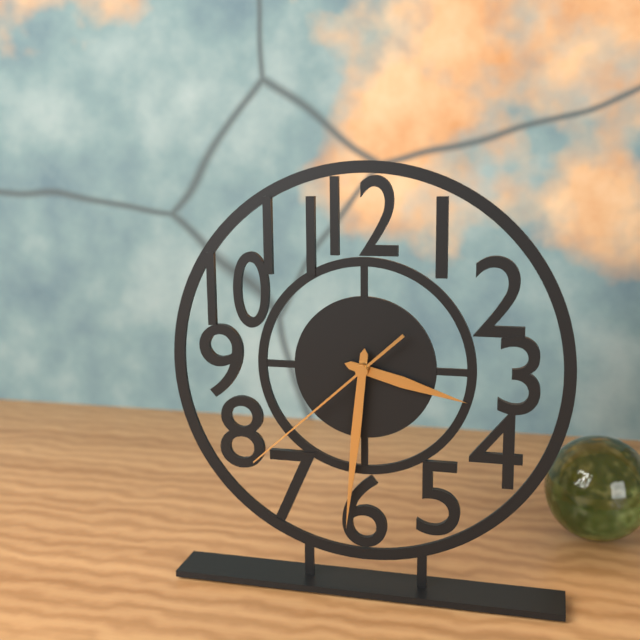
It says 3:31:38
